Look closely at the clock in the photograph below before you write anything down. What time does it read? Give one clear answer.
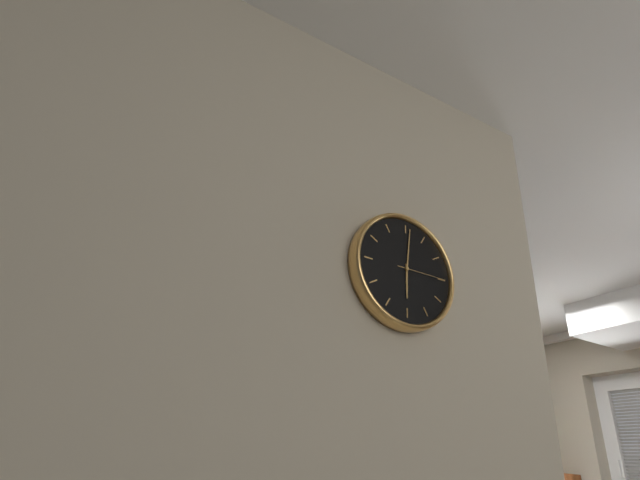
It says 6:01:15
